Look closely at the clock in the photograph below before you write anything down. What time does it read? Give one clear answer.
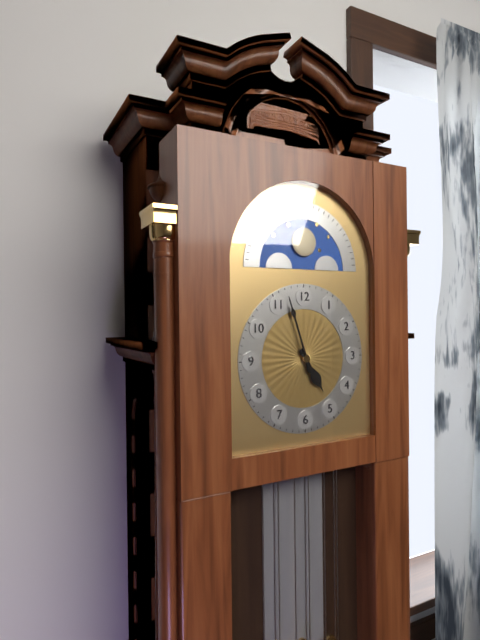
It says 4:57
